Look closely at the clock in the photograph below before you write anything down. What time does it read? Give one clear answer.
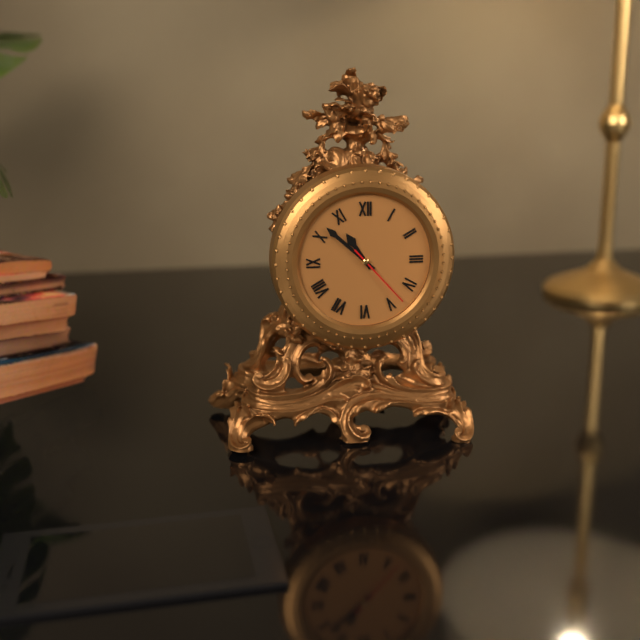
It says 10:52:23
